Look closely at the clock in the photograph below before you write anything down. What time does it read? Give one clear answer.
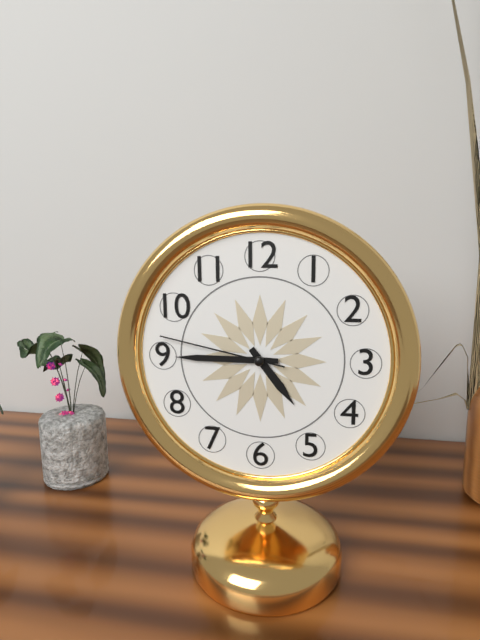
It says 4:45:47
